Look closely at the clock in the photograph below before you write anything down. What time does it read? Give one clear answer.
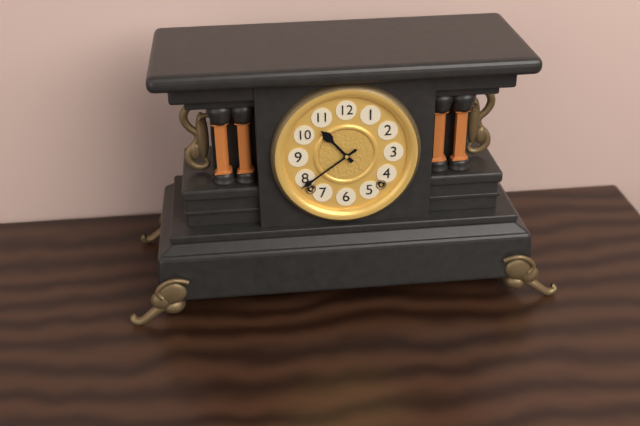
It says 10:39
